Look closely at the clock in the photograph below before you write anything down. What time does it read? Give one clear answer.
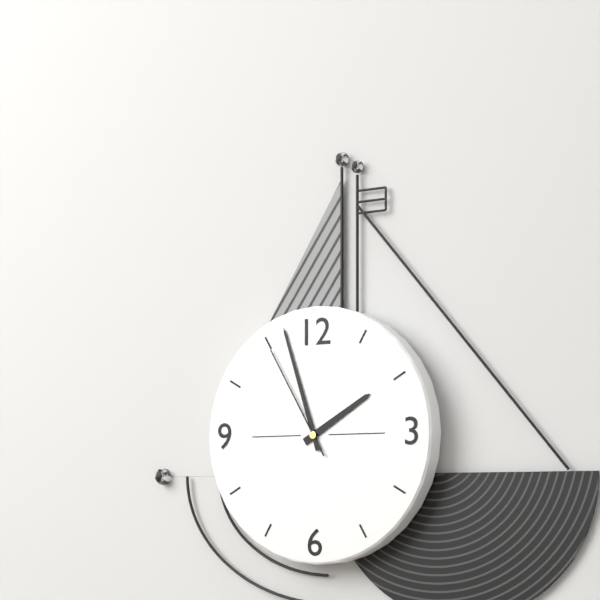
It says 1:57:55
